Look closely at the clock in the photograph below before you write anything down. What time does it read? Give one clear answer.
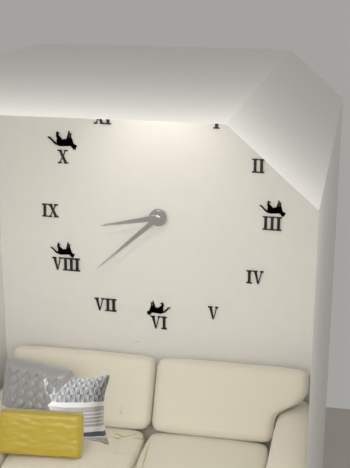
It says 8:38
